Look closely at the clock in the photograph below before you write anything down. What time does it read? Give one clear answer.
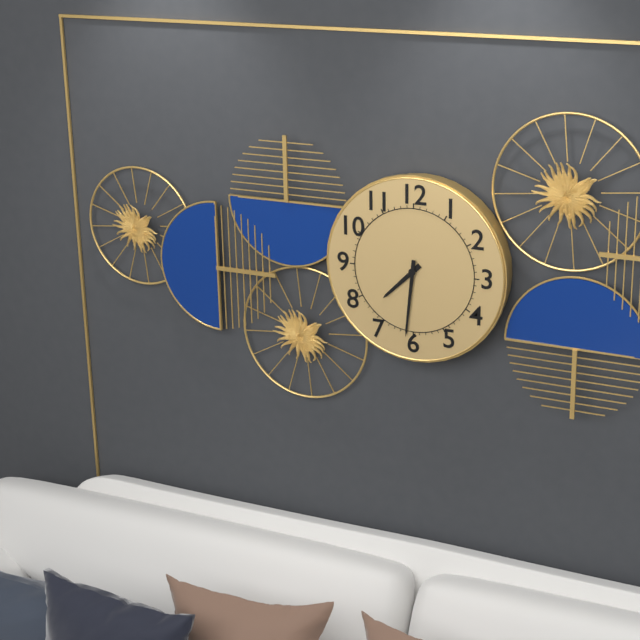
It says 7:31
